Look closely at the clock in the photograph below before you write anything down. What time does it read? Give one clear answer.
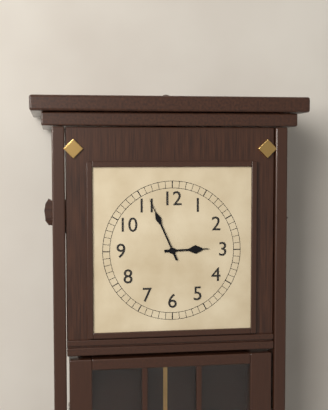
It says 2:56
